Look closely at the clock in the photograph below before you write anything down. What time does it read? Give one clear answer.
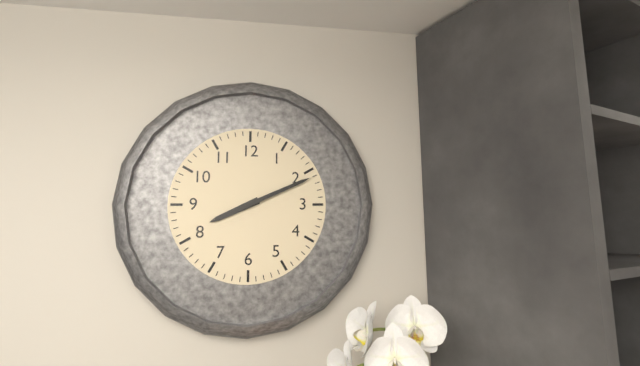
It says 8:11
